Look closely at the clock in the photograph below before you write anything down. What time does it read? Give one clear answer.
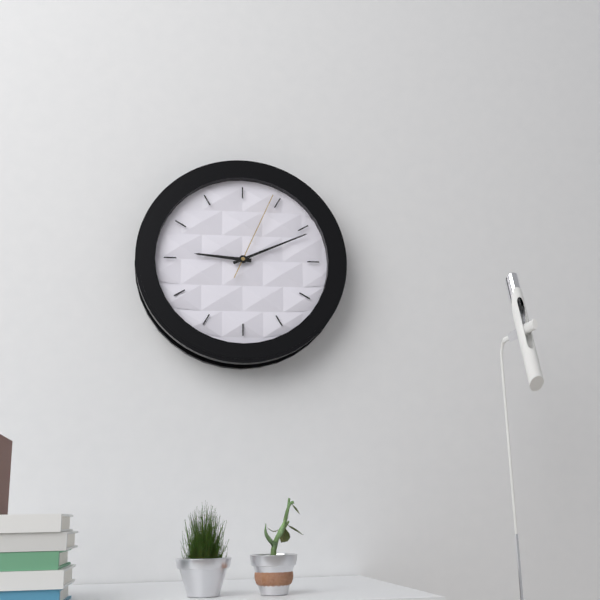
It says 9:11:04
